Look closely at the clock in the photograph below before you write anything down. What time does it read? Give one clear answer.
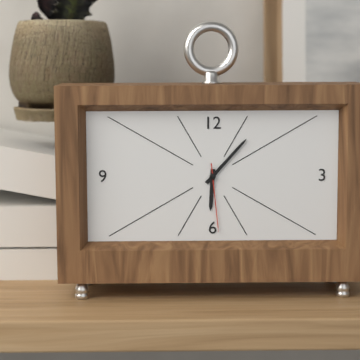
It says 6:07:29
